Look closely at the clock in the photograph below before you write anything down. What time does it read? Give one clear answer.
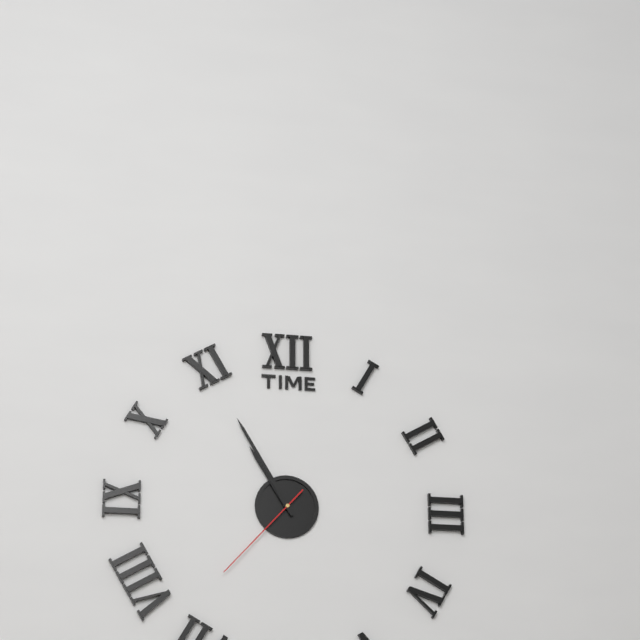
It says 10:55:37
